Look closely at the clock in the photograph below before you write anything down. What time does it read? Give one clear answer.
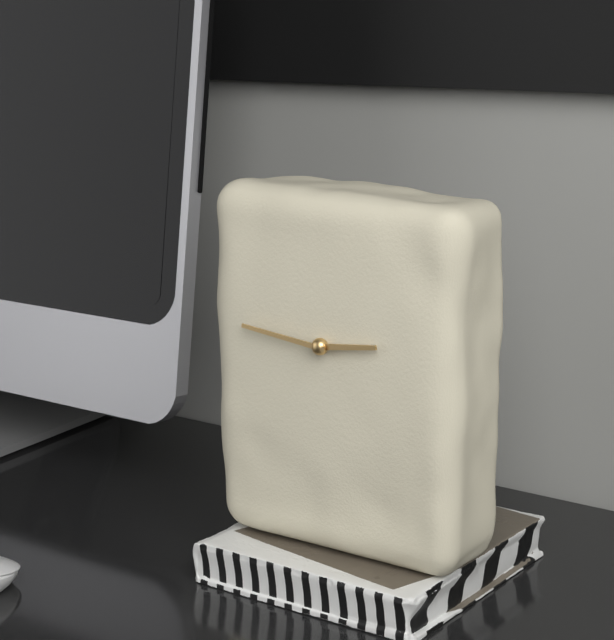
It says 2:46
